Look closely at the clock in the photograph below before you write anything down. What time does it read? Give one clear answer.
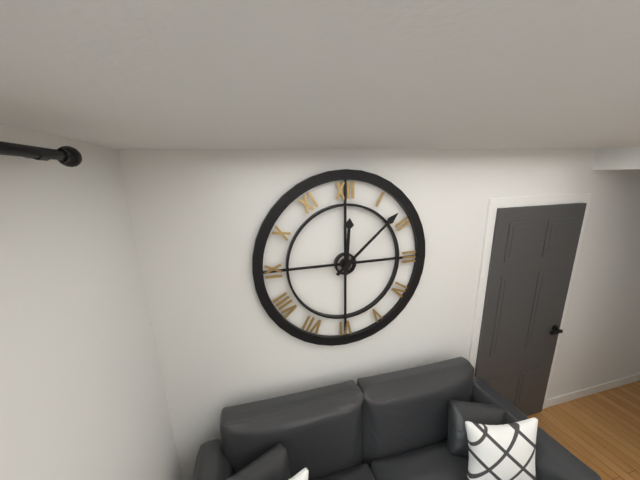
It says 12:08
